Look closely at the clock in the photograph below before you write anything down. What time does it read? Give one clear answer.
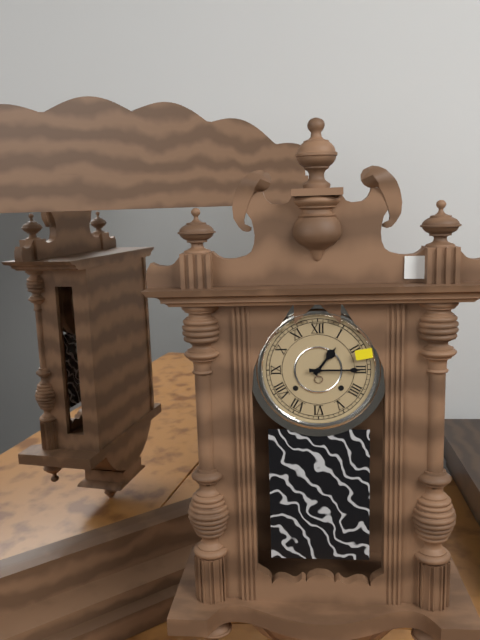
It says 1:15
